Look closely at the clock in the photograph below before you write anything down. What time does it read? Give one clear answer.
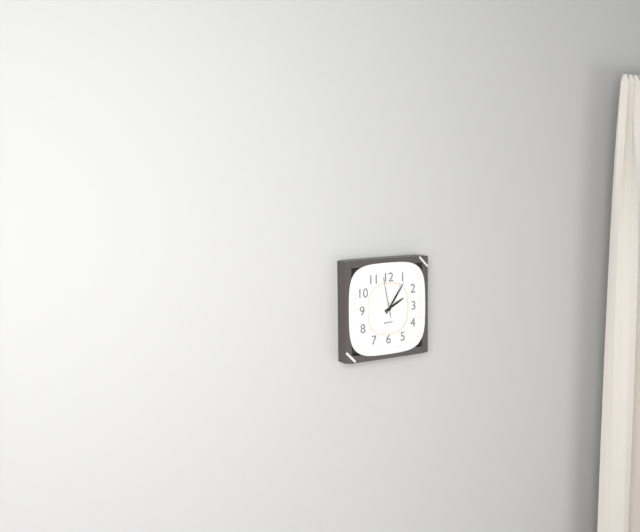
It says 2:06
